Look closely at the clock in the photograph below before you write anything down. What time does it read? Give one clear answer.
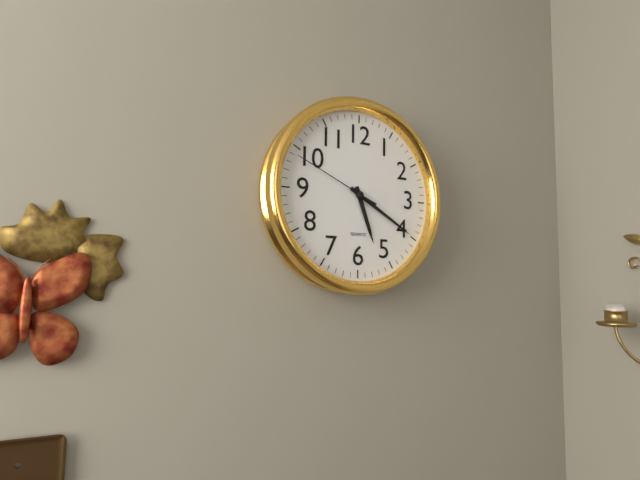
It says 5:20:49
